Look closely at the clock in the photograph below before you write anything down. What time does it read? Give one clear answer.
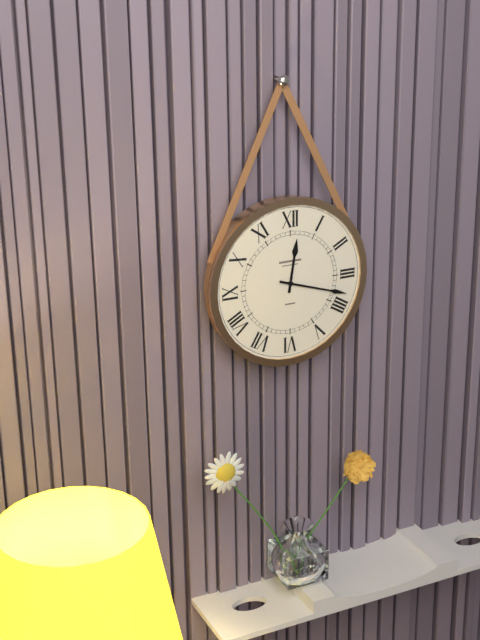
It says 12:18
